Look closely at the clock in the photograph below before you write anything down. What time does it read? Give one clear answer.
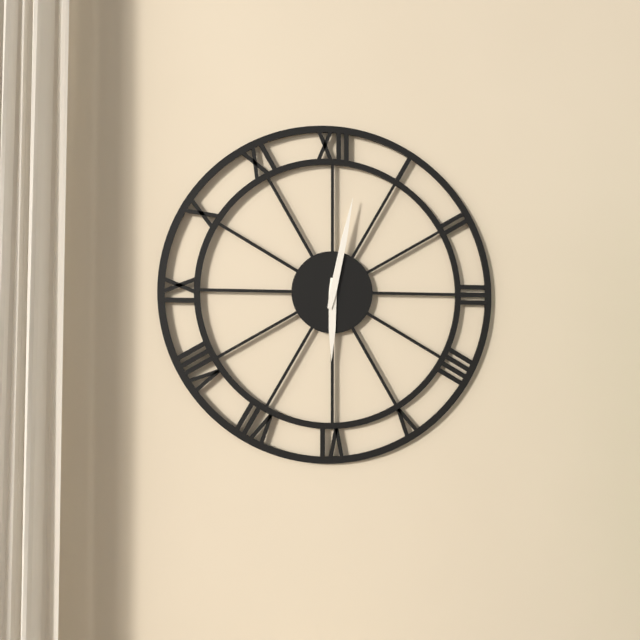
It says 6:02
